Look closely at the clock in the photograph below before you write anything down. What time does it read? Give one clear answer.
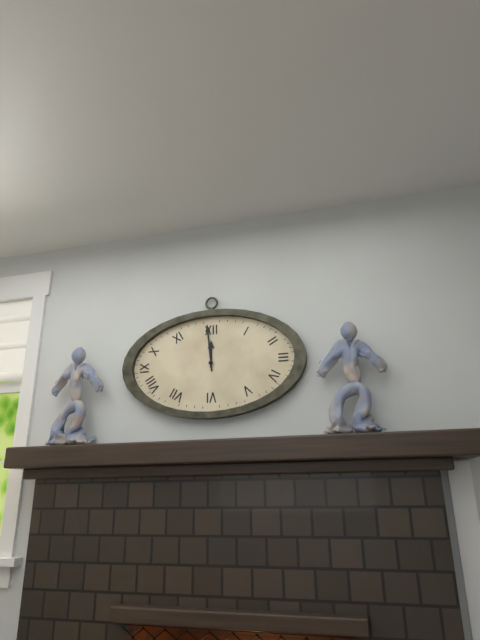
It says 11:59
